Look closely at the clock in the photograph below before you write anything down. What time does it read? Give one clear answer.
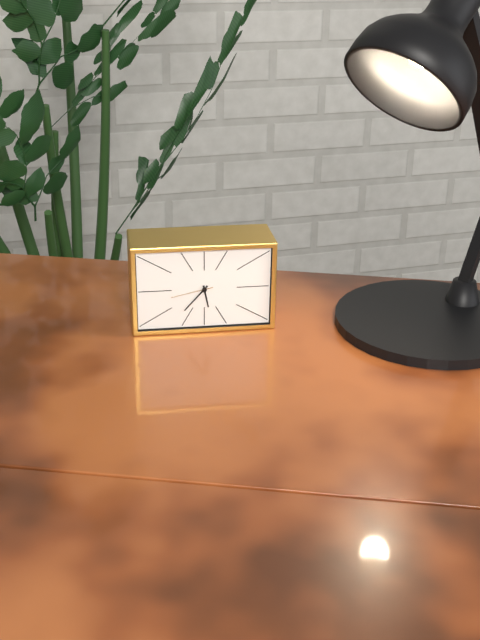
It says 5:37
